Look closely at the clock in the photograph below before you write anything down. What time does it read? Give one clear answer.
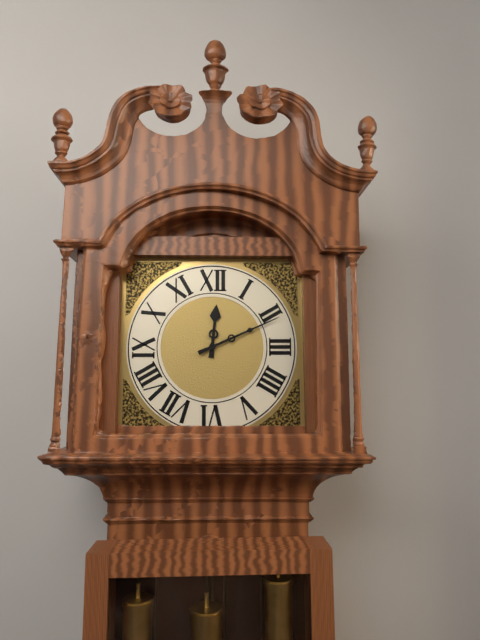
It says 12:11
